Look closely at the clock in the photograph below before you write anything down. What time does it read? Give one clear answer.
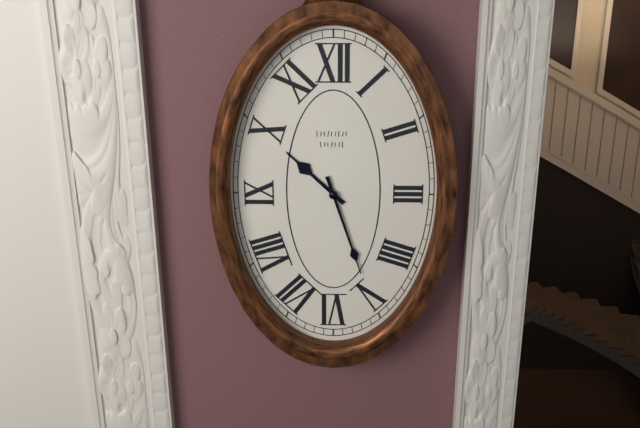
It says 10:27
